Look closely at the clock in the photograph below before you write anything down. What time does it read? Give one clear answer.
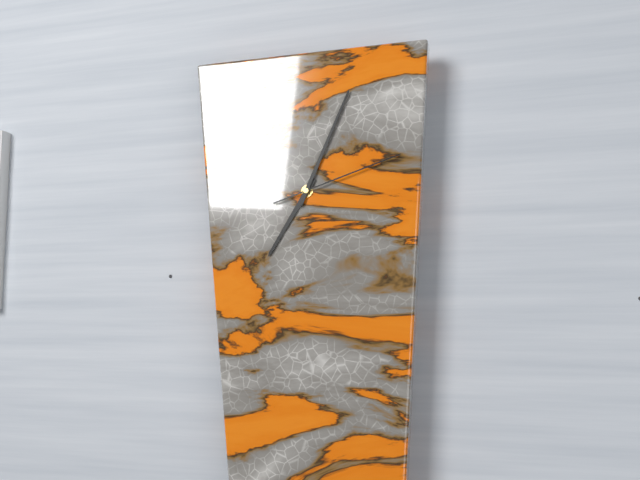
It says 7:04:12
